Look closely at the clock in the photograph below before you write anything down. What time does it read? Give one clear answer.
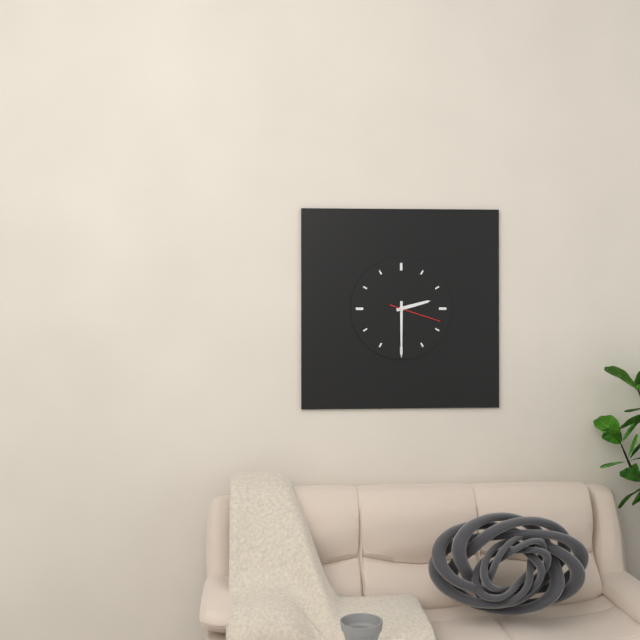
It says 2:30:18
